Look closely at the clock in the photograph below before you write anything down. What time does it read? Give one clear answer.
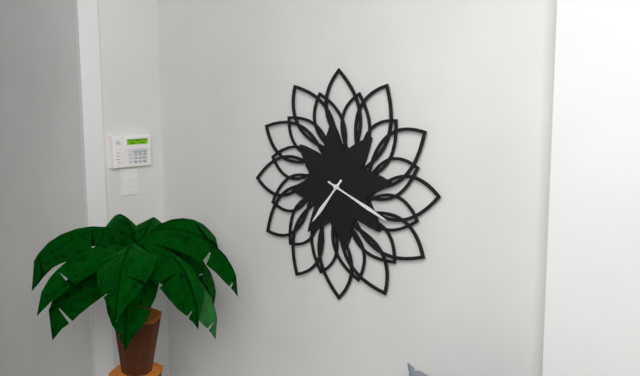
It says 7:19
